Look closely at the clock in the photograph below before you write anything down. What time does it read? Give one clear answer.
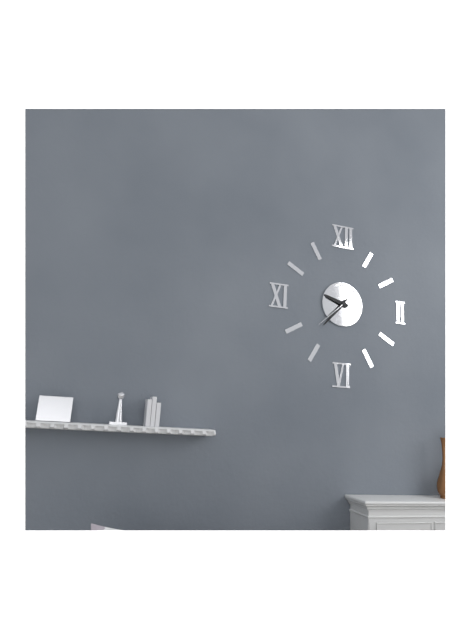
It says 9:37
